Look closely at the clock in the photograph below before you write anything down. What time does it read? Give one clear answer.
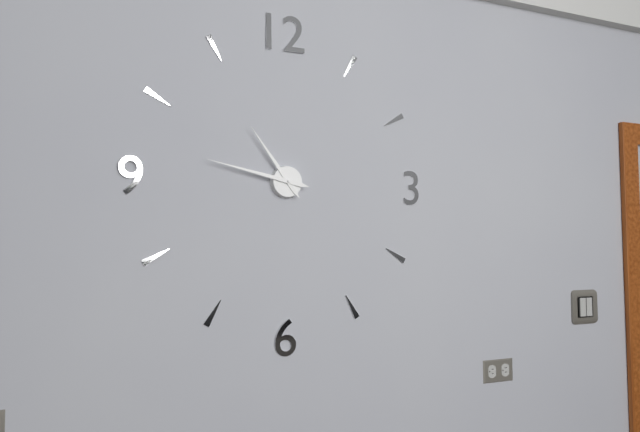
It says 10:47
